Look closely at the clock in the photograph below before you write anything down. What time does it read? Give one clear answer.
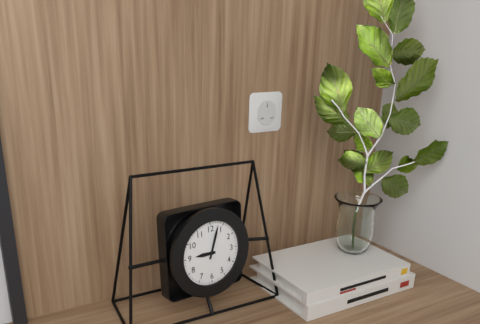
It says 9:03
